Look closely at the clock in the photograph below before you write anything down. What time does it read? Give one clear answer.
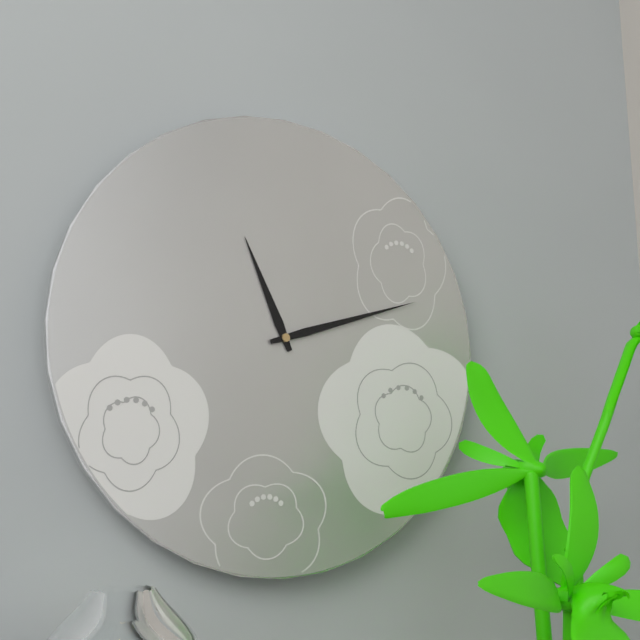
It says 11:12
